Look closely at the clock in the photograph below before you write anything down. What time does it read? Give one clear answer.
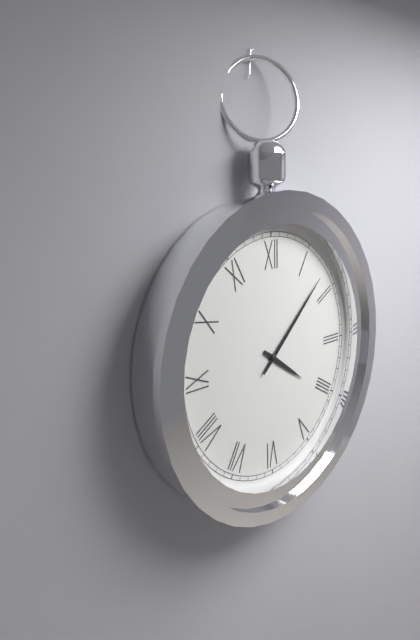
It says 4:08
